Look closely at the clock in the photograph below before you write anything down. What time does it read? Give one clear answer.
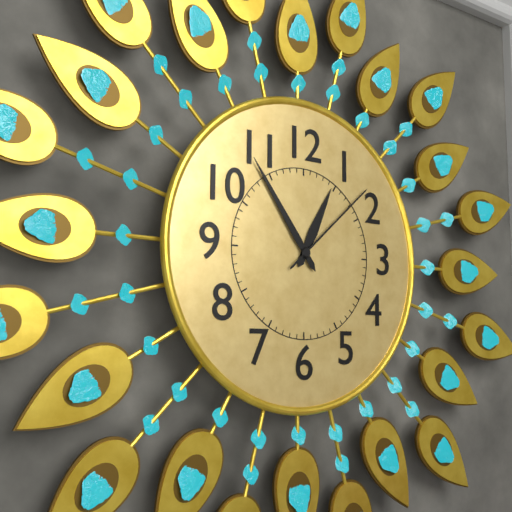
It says 12:54:08
